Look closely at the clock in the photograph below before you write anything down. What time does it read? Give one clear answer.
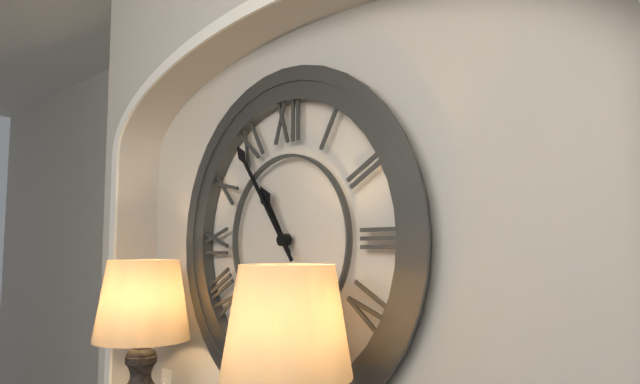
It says 10:54
